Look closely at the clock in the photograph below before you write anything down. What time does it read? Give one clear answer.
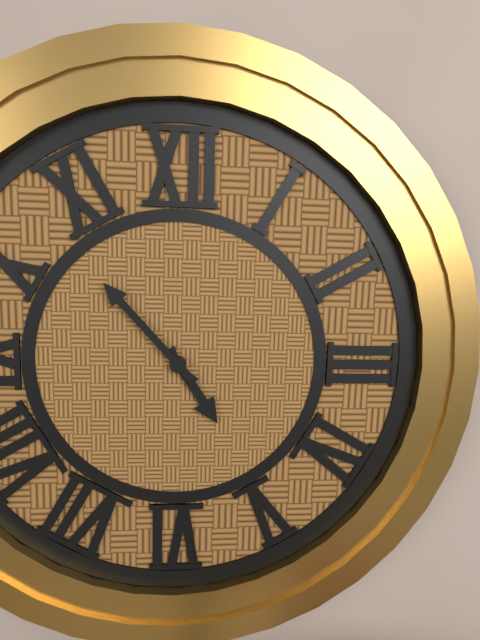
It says 4:53
